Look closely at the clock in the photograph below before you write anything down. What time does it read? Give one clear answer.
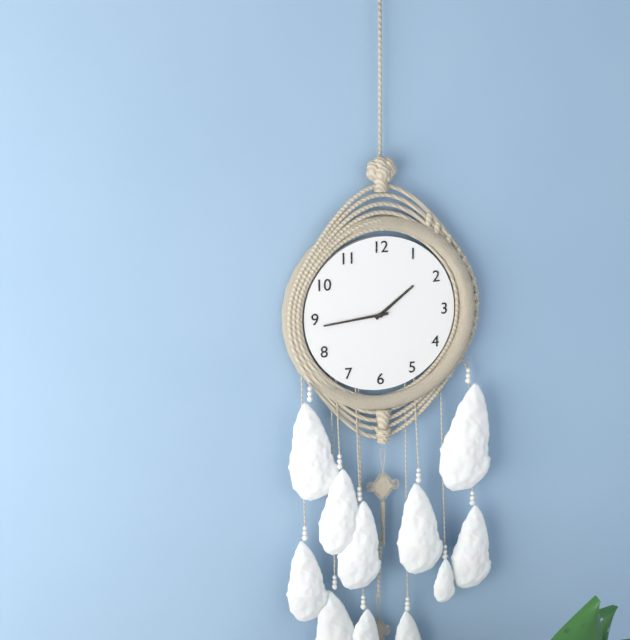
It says 1:44
